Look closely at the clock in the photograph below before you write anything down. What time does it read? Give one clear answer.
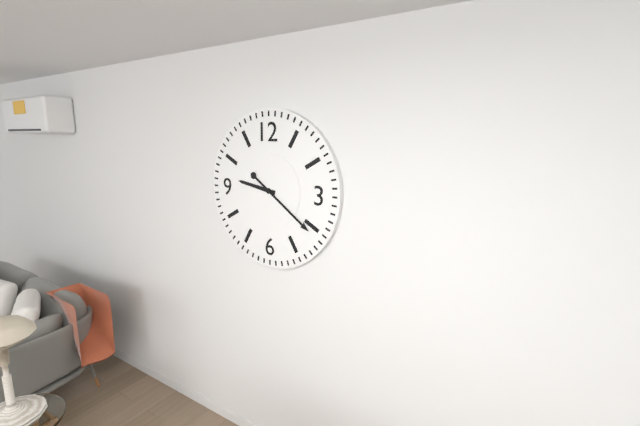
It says 9:21
